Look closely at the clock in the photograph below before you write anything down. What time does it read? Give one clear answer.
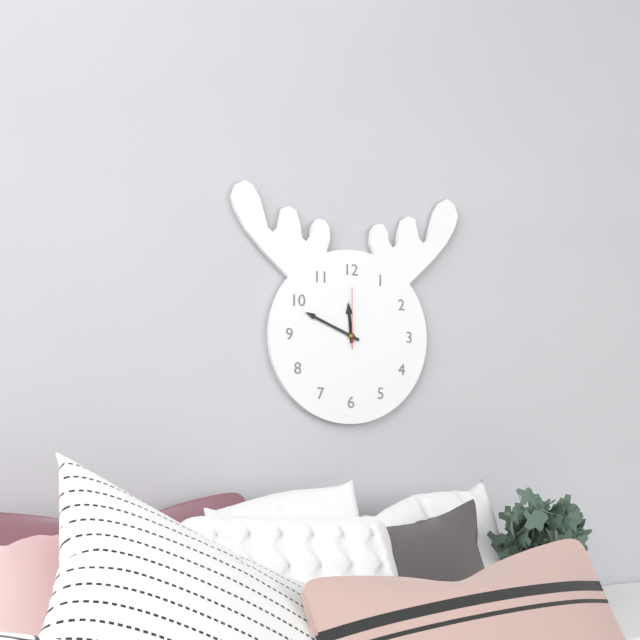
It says 11:49:00
